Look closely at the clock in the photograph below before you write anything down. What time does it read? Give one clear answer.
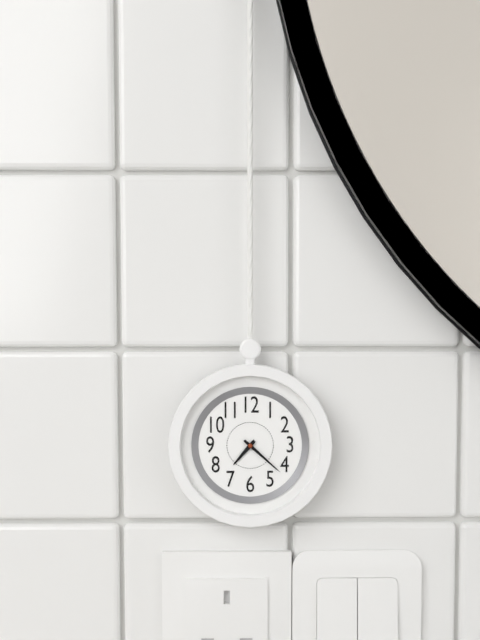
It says 7:22
